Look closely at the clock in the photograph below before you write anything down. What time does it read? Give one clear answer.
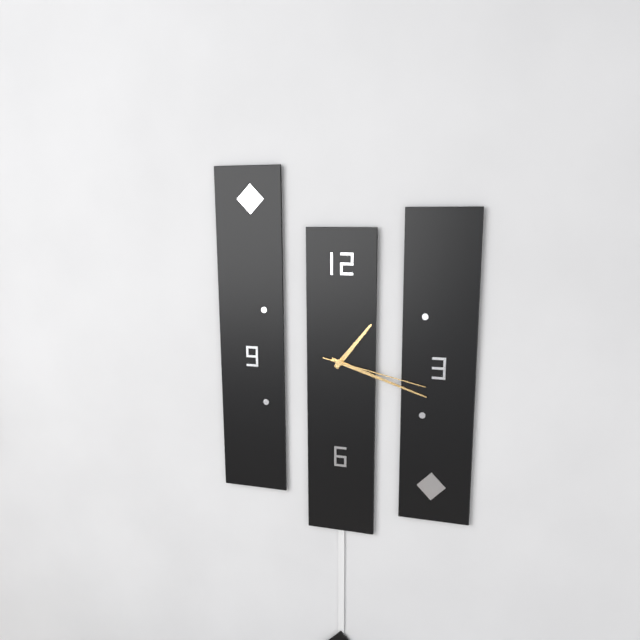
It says 1:18:17
